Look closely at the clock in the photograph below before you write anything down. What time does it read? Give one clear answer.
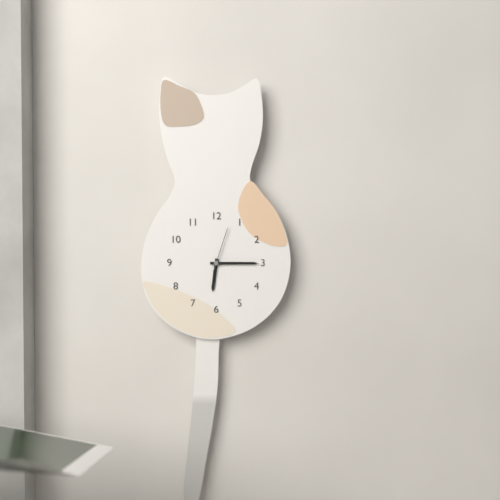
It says 6:15
